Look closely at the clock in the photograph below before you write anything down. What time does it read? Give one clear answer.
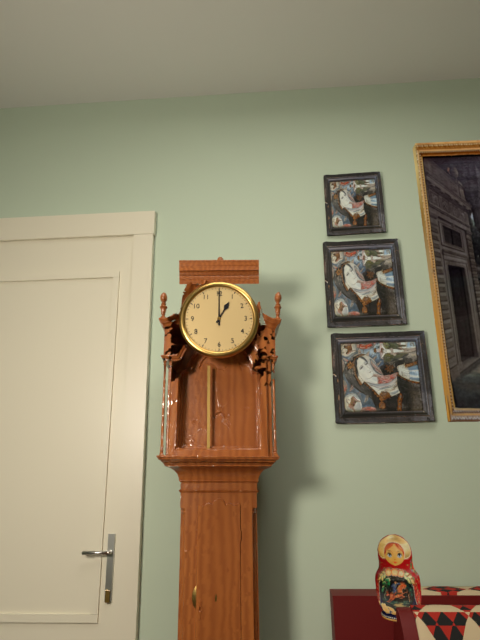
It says 1:00
